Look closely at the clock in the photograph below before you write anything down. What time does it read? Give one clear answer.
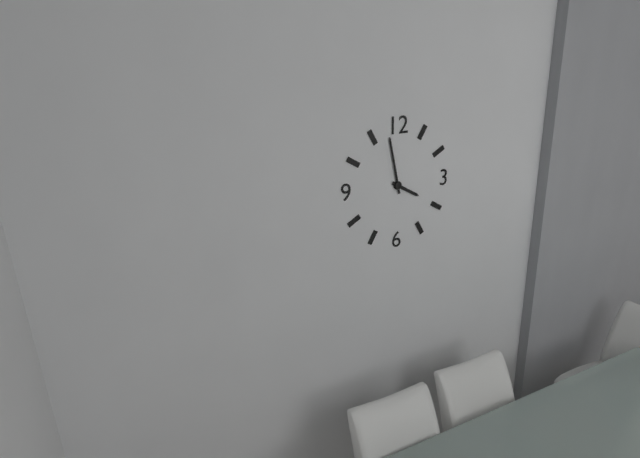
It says 3:58
